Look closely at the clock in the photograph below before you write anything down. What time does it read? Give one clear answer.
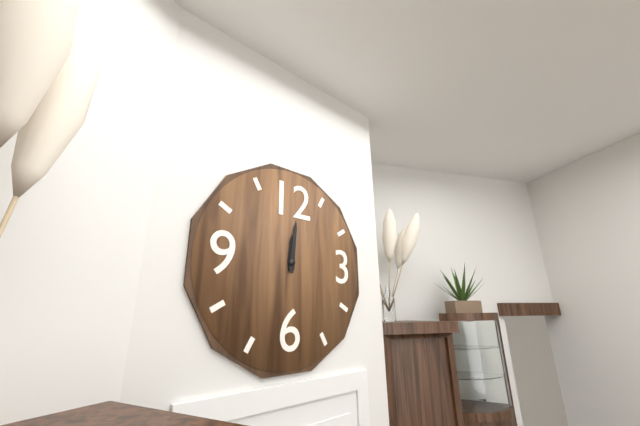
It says 12:01
